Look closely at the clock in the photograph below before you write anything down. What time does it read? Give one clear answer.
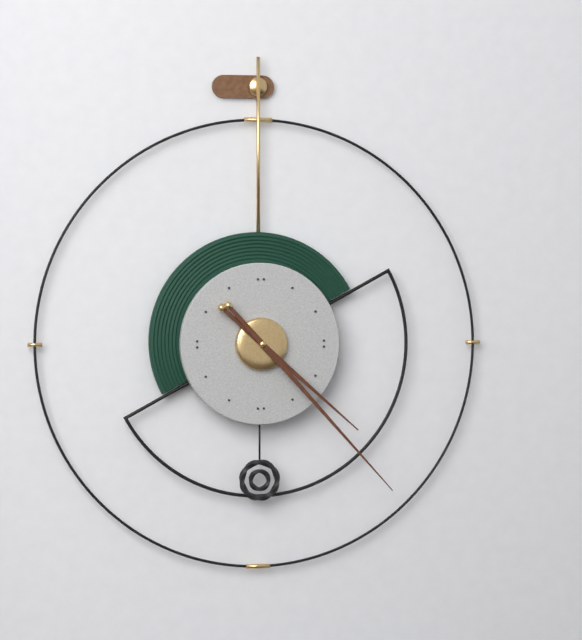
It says 4:23
